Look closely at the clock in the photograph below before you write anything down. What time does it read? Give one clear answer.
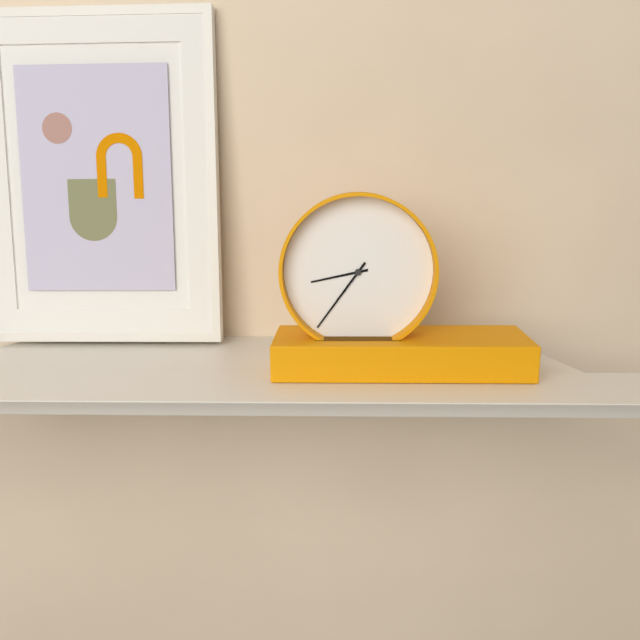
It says 8:36
